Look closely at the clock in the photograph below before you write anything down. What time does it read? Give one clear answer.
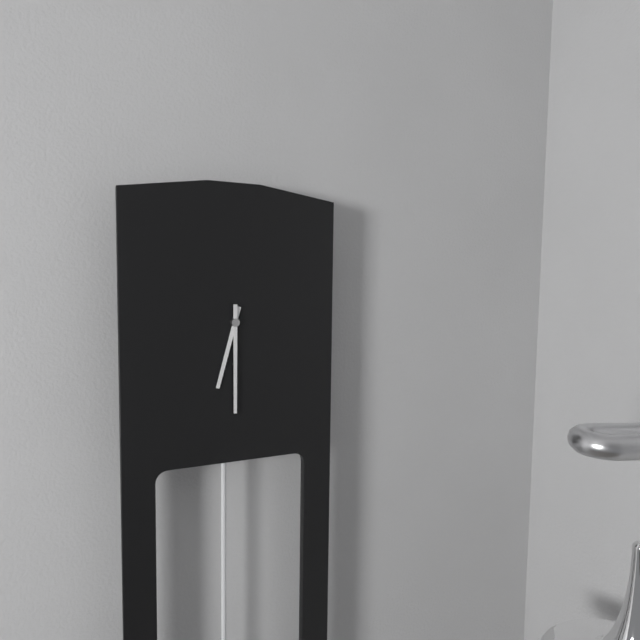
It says 6:30
